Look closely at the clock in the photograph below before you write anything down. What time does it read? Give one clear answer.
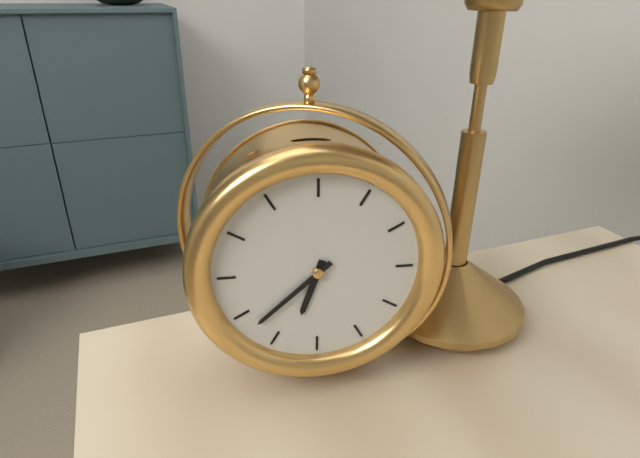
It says 6:38
